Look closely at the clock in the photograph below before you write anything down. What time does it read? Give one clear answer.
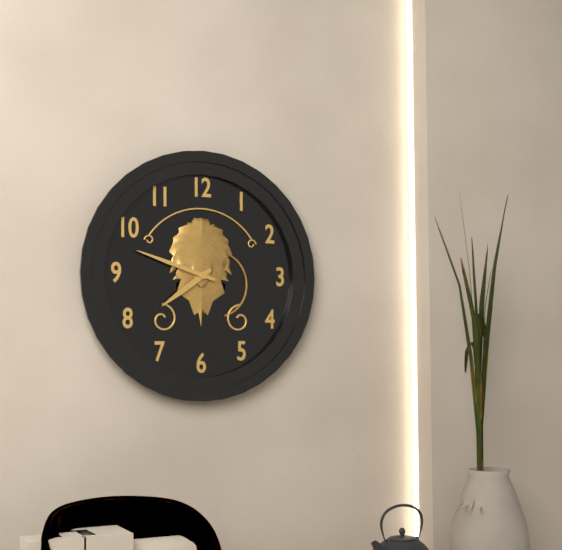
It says 7:48
